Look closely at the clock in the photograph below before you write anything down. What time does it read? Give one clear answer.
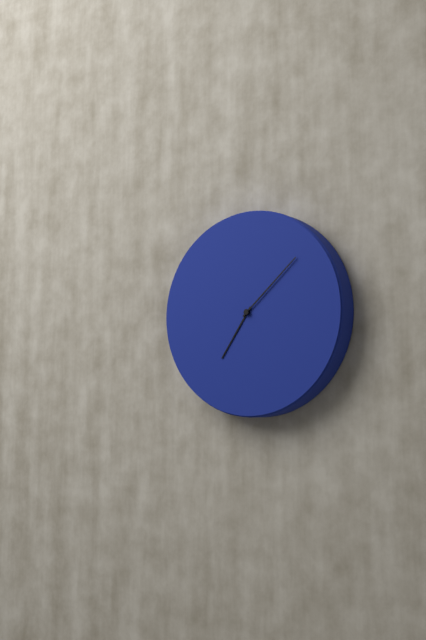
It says 7:08
